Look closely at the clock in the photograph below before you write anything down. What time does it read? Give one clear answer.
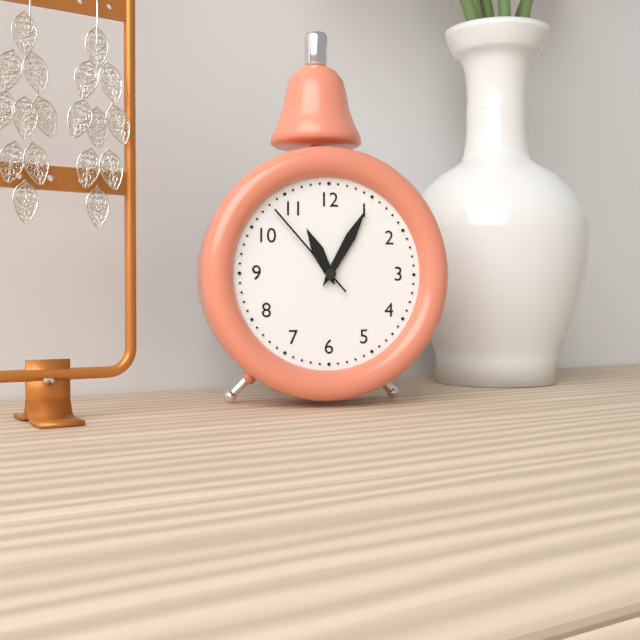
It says 11:05:53
